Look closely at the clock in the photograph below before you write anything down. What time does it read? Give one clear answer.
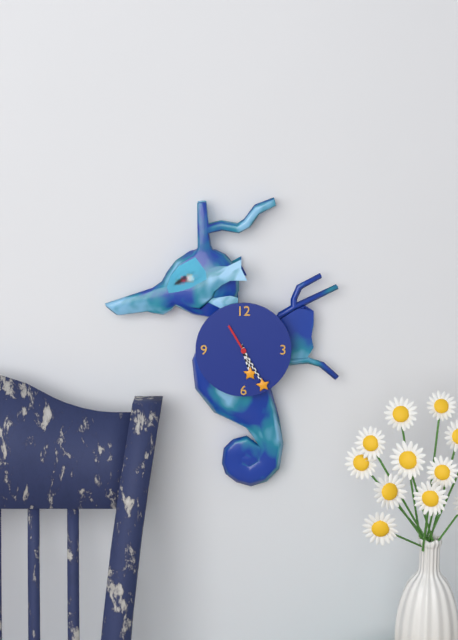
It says 5:25
